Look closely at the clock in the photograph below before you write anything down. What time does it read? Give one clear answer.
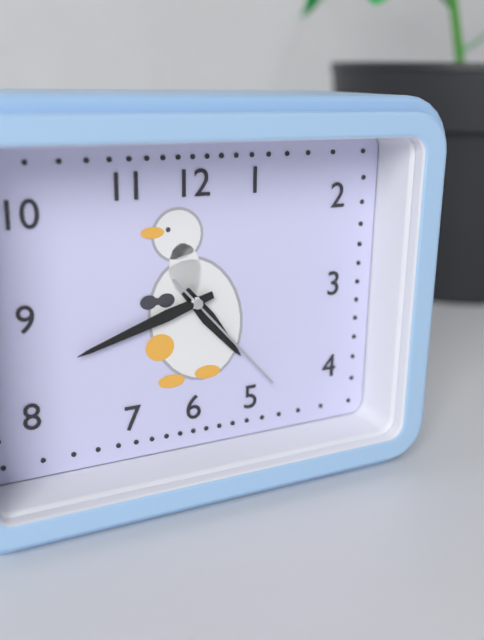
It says 4:42:23
